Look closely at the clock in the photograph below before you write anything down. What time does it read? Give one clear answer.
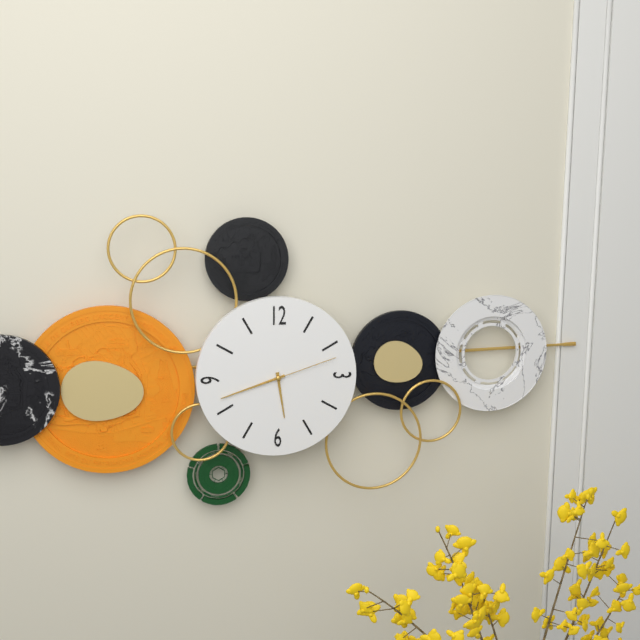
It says 5:42:12
